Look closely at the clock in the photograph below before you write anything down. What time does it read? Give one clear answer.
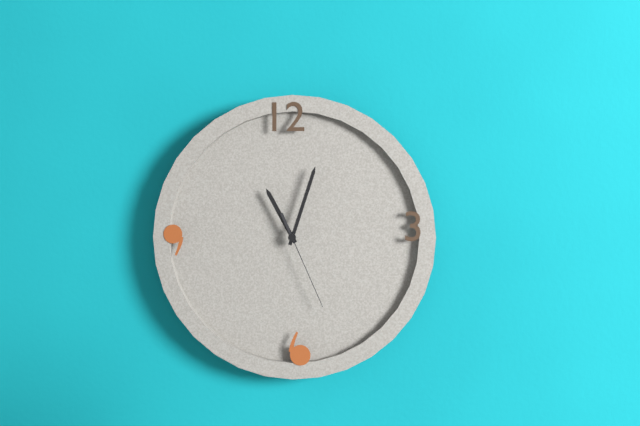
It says 11:03:26
